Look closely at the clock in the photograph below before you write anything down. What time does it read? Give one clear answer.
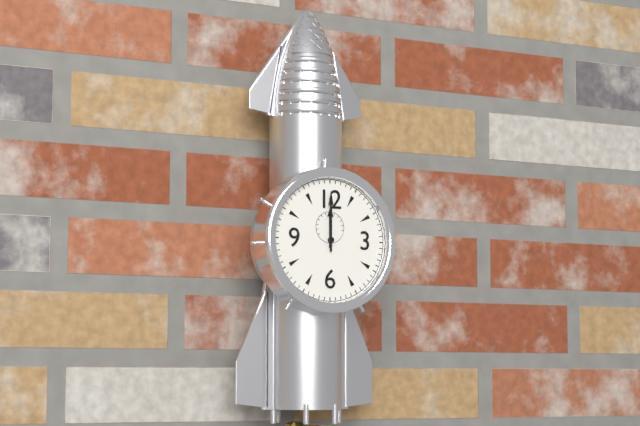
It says 12:00
